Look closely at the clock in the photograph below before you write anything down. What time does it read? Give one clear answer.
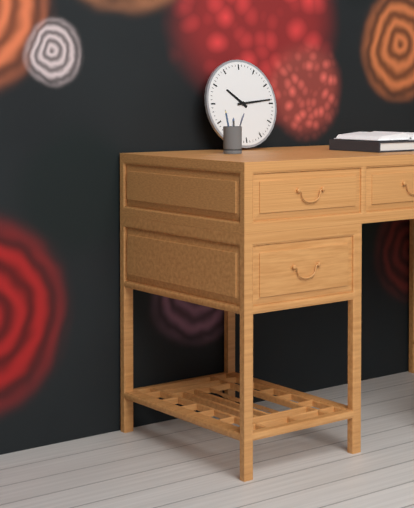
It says 10:14
